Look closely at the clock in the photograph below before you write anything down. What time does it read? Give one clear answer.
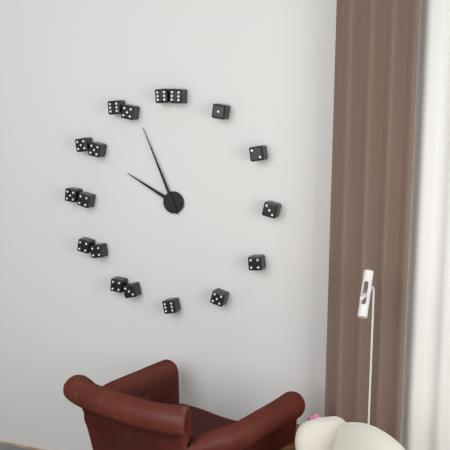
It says 9:56
